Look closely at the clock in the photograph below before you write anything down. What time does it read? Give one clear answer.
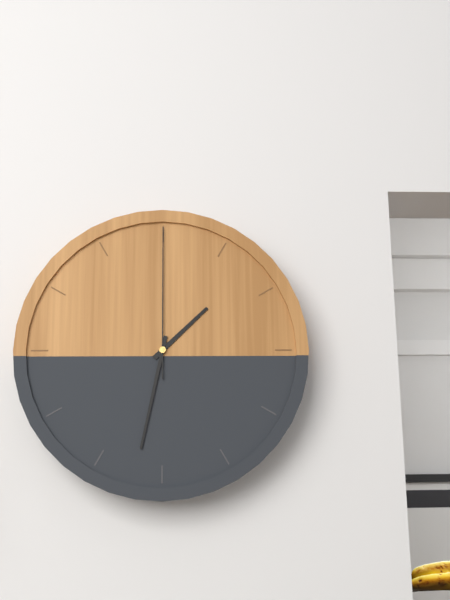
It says 1:32:00
